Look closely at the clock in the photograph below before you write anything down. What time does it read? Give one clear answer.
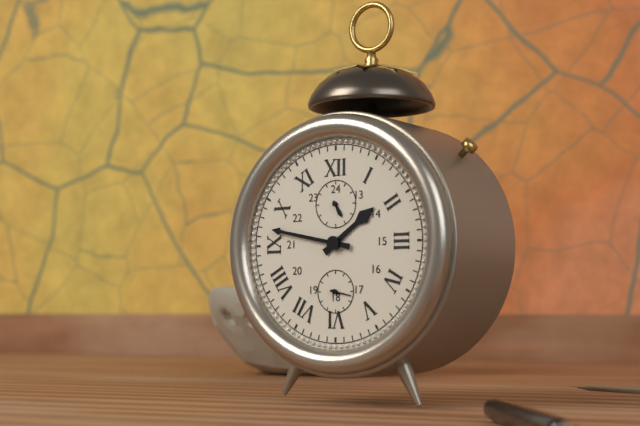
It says 1:47
